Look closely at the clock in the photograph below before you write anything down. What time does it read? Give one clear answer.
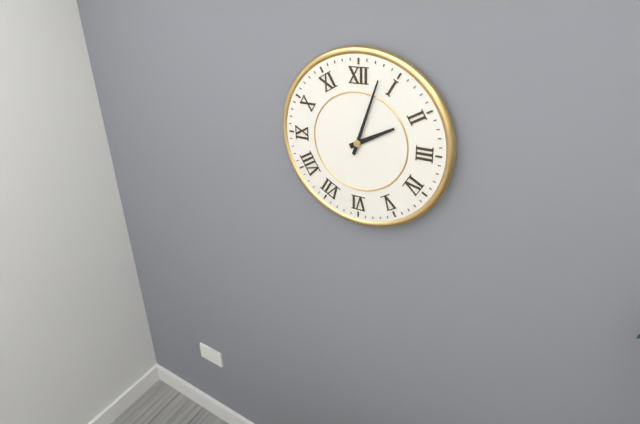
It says 2:03
